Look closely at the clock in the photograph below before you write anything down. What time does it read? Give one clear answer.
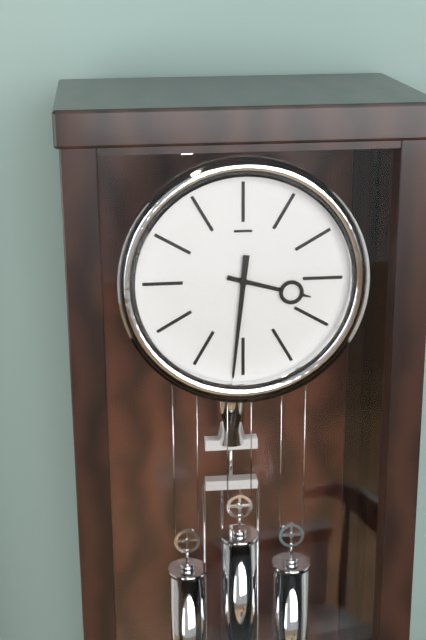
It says 3:31
